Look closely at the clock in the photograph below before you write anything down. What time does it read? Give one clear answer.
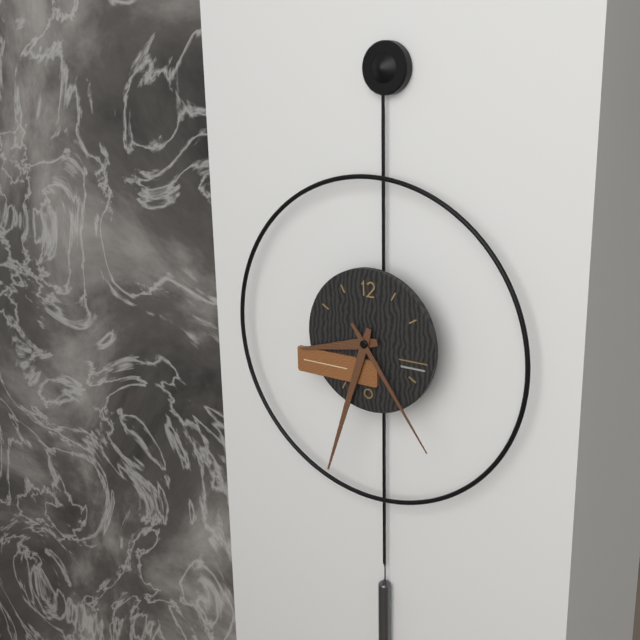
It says 8:33:24
